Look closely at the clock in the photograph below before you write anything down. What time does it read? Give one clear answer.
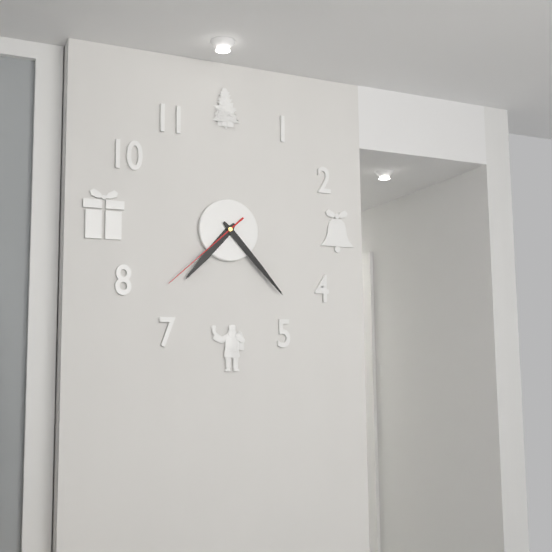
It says 7:23:38
